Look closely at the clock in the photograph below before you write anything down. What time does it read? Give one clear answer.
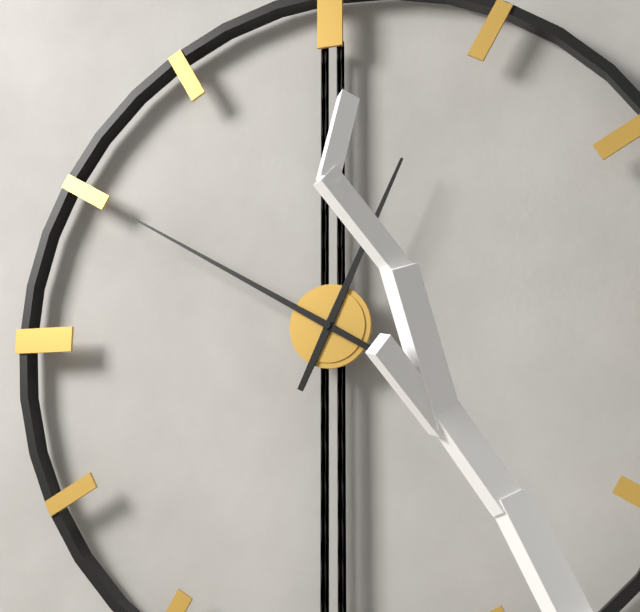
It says 12:50
